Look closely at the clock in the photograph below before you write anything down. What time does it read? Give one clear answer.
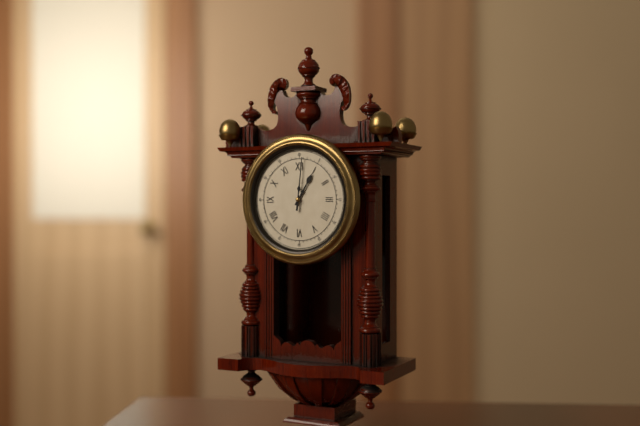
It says 1:01
